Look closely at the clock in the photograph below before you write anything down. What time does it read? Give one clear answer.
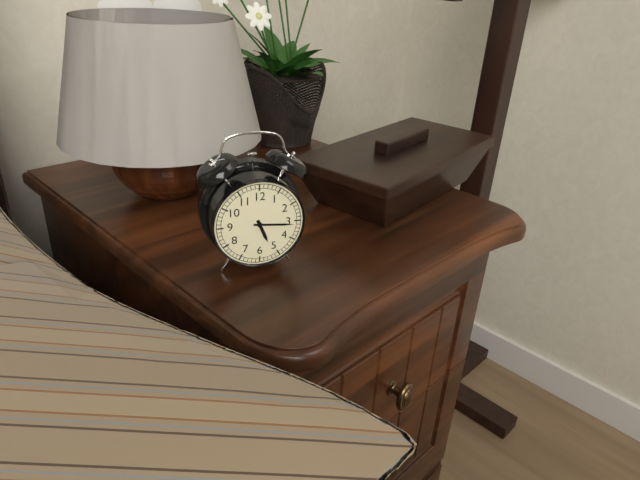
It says 5:16
